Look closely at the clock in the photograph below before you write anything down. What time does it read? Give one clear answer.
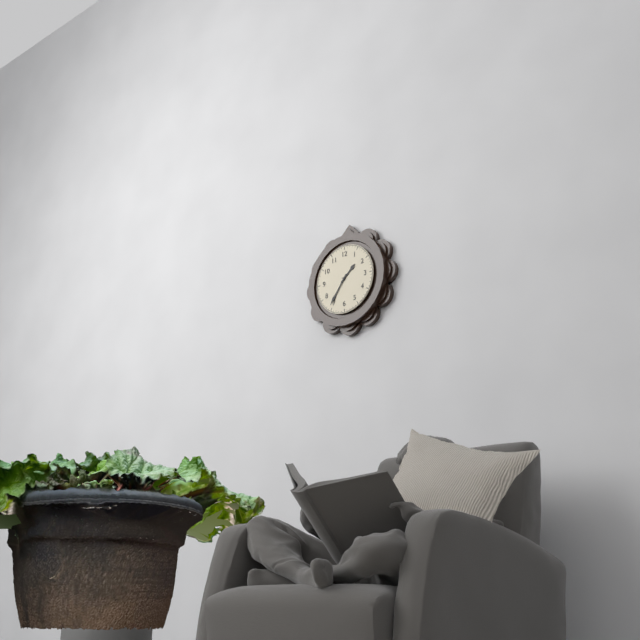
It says 1:36
